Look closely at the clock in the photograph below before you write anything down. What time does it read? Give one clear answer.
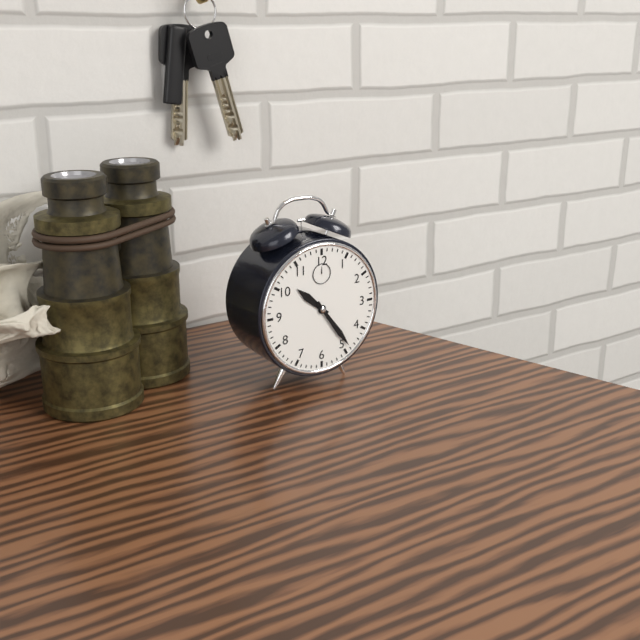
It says 10:24
